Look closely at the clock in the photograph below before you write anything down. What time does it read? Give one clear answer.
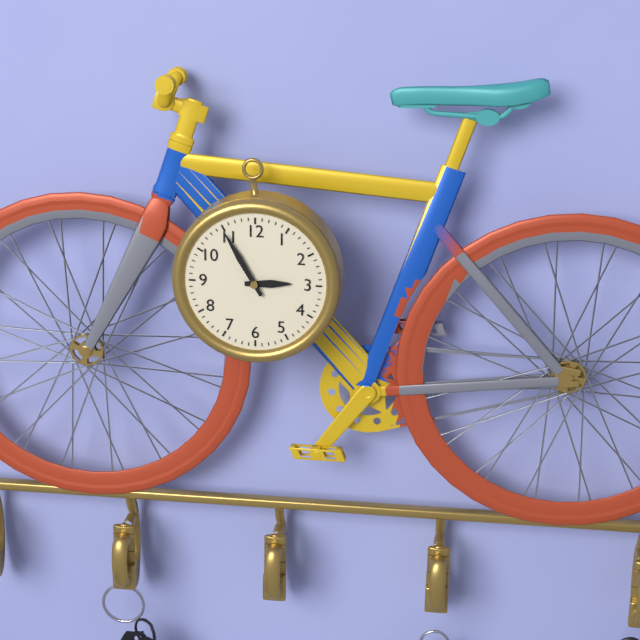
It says 2:55
